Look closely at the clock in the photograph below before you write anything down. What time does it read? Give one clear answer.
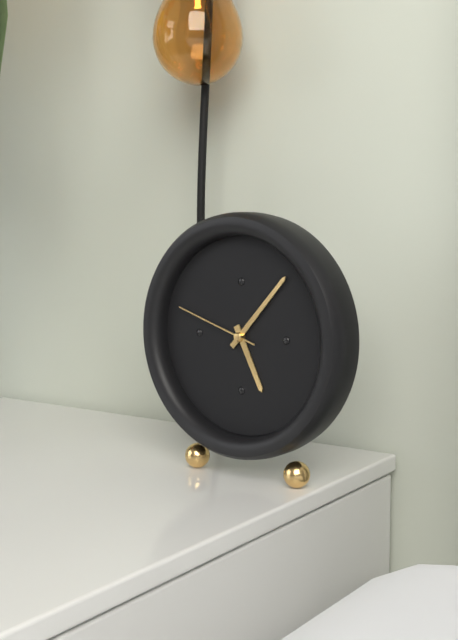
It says 5:07:48
